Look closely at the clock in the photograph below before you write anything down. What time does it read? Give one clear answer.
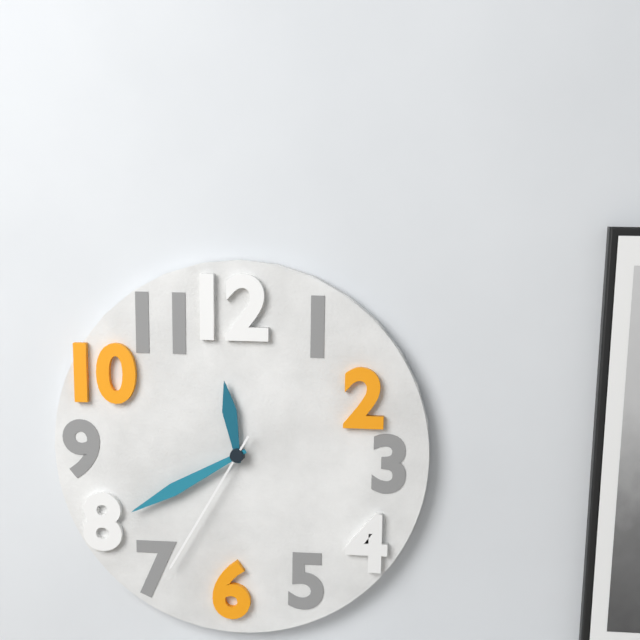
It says 11:40:35
